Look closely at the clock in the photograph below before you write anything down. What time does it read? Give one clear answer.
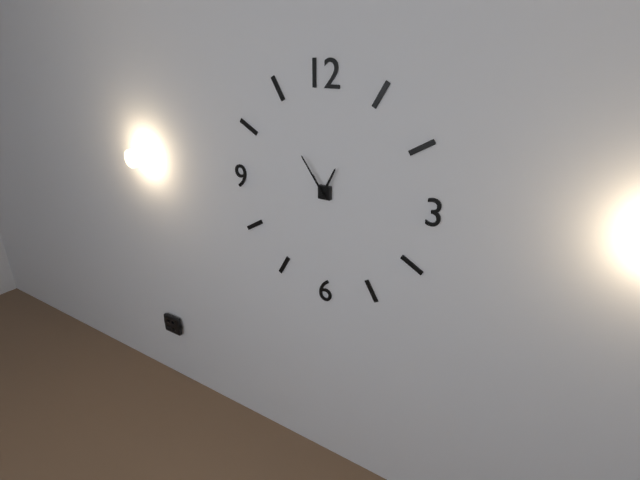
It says 12:54
